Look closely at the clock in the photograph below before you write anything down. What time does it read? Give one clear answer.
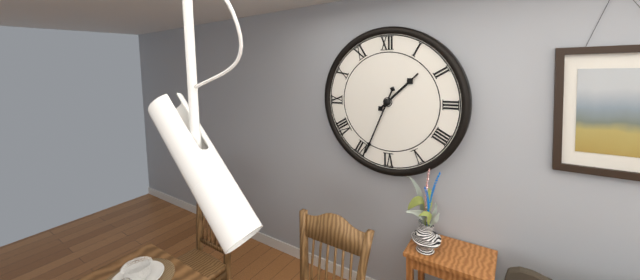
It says 1:34
